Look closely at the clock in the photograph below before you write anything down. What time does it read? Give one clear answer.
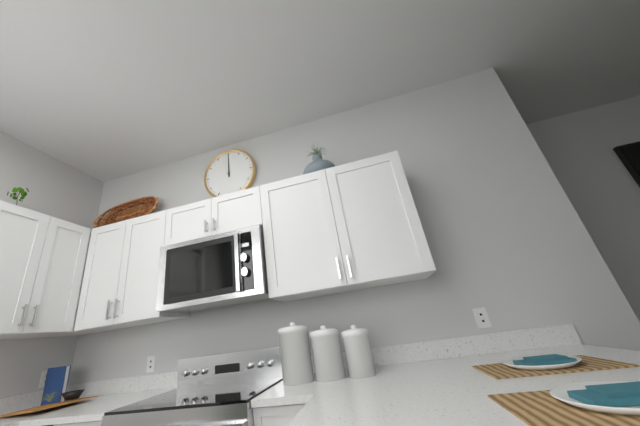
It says 12:00
